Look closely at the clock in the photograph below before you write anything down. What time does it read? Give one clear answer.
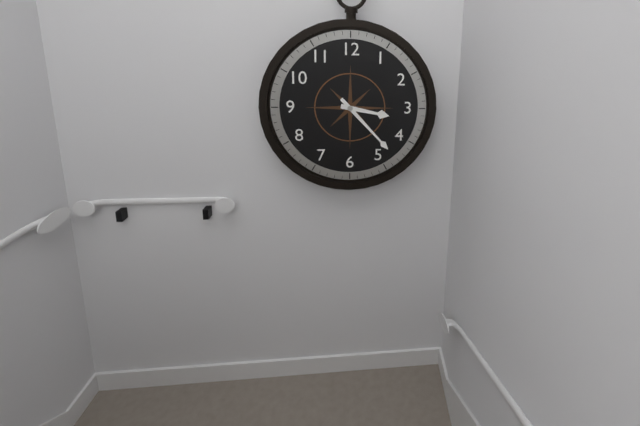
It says 3:23
